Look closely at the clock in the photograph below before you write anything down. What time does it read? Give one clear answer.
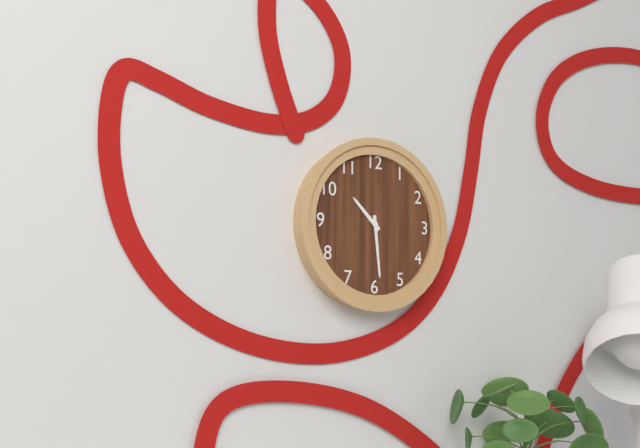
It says 10:29
